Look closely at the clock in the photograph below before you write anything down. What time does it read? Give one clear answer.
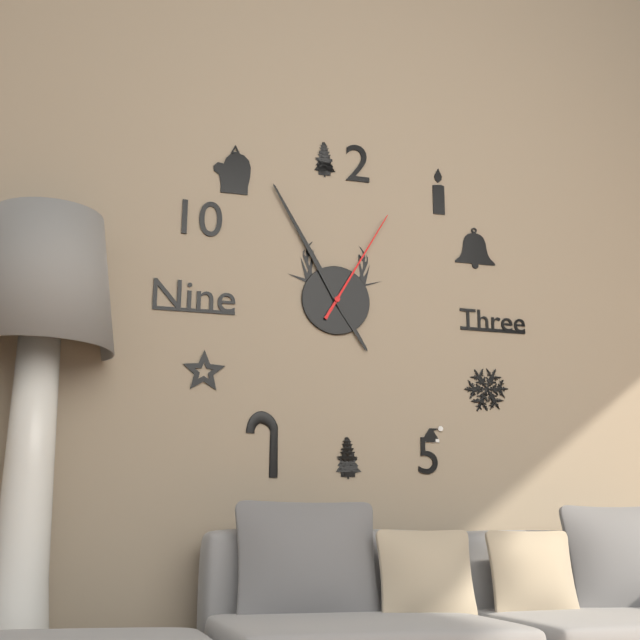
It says 4:55:05
